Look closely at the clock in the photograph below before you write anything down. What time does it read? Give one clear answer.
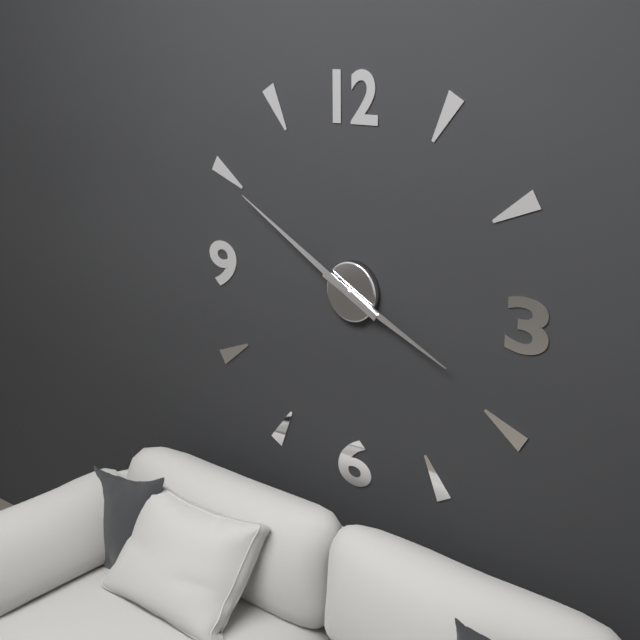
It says 3:50
